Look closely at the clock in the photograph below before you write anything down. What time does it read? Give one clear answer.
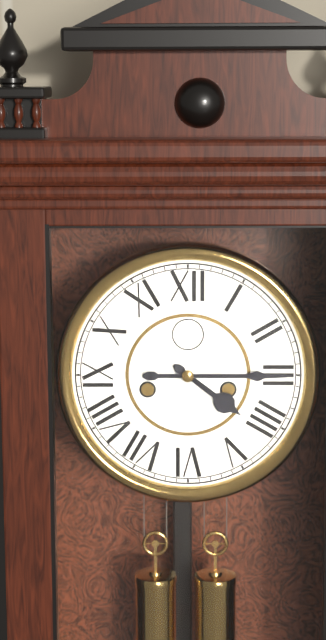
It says 4:15
